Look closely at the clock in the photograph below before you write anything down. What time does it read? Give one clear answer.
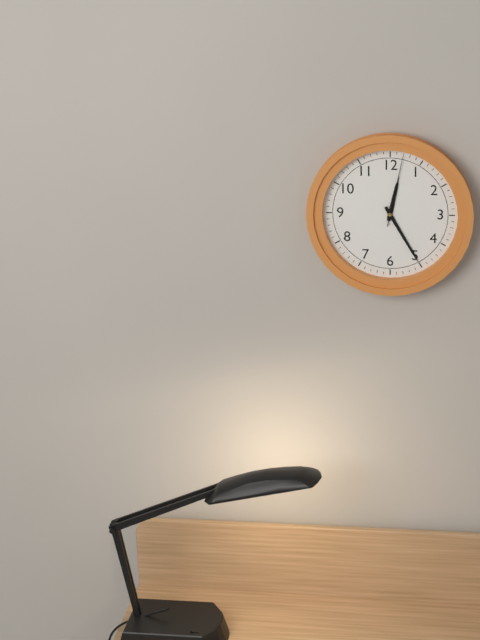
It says 12:25:02
